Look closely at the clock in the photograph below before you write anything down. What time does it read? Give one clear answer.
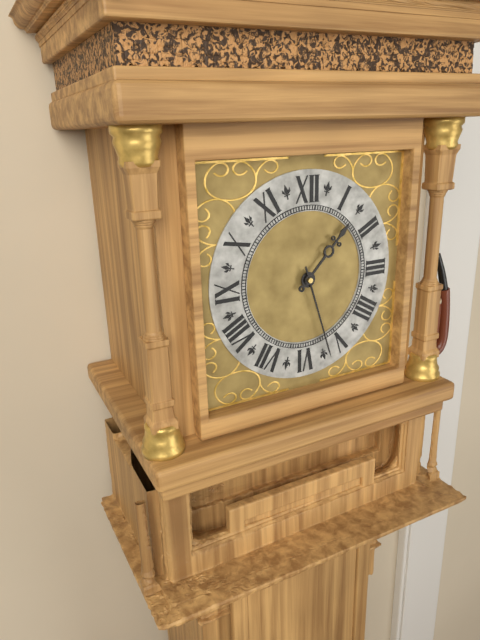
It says 1:27
